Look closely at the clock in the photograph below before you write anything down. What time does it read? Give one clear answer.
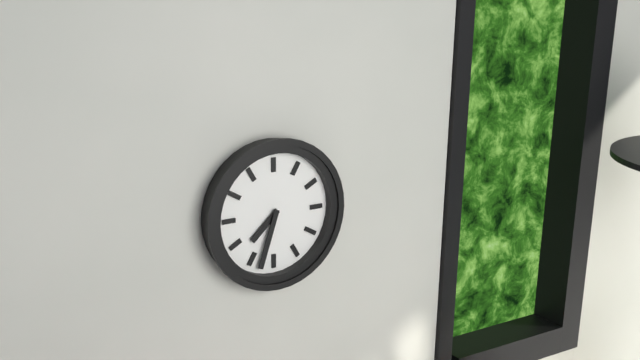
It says 7:33
